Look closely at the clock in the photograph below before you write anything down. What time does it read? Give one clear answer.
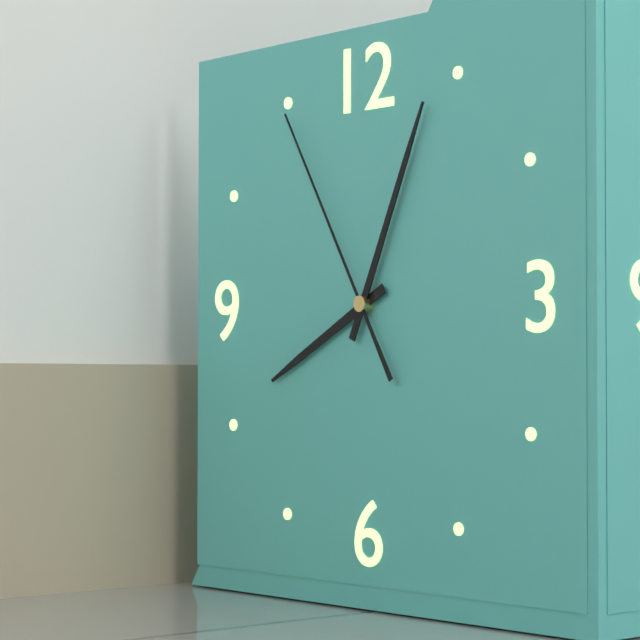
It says 8:04:55
